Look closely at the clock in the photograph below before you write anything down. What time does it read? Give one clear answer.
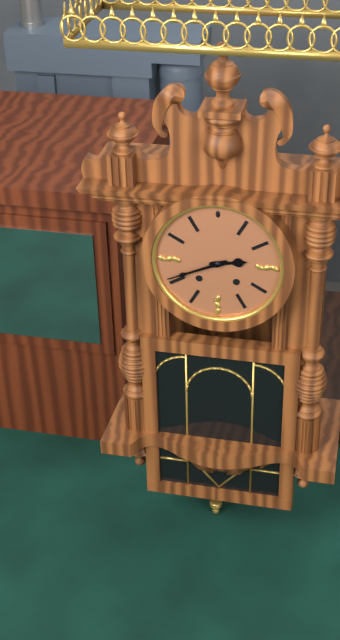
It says 2:41
